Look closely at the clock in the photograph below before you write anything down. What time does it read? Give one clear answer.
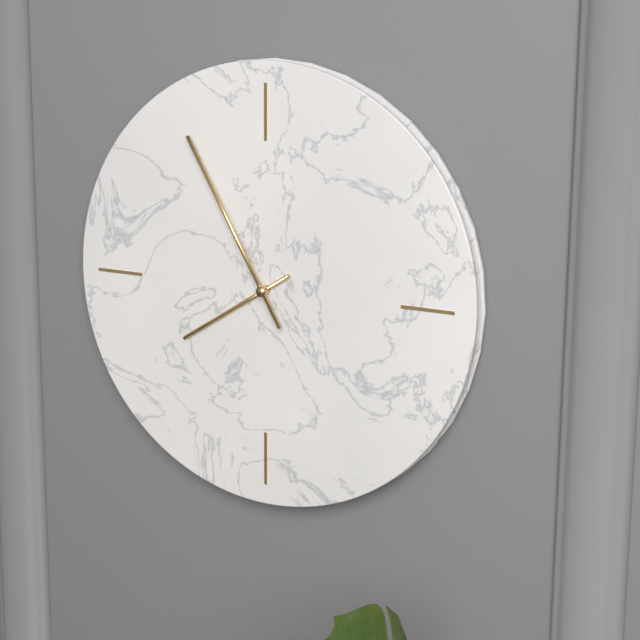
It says 7:55
